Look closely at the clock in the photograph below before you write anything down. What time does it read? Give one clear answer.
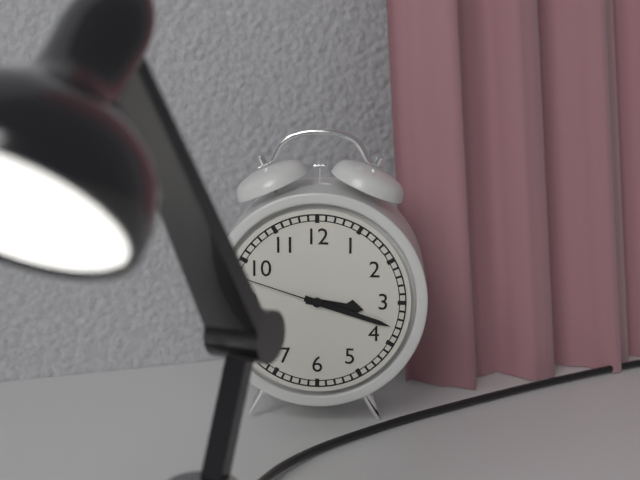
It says 3:18:48
